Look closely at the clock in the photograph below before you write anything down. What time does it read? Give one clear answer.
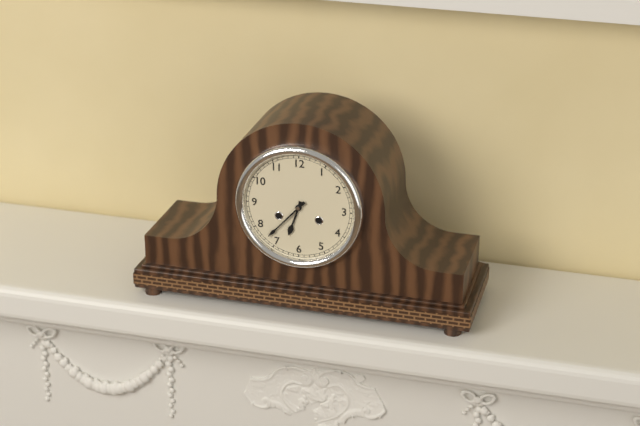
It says 6:37
